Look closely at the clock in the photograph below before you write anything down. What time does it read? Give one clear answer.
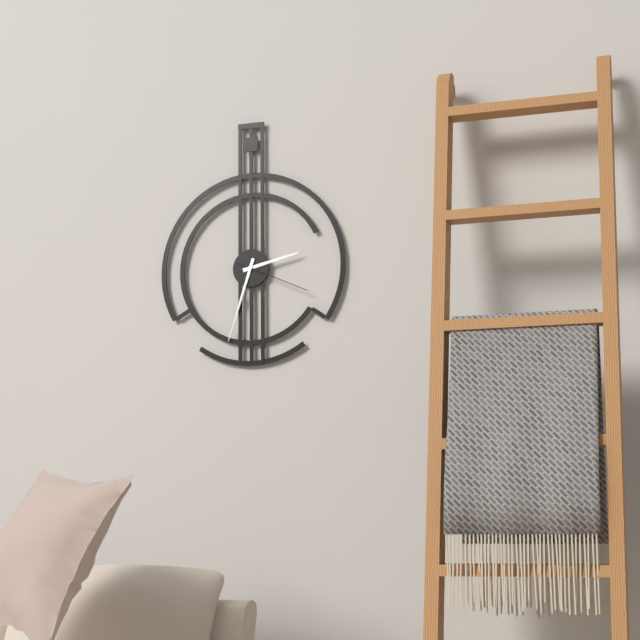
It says 2:33:19
